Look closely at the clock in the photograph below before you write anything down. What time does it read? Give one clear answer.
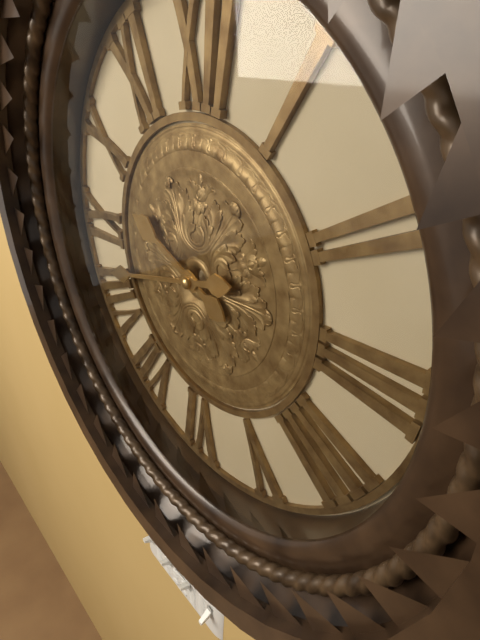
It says 9:42
